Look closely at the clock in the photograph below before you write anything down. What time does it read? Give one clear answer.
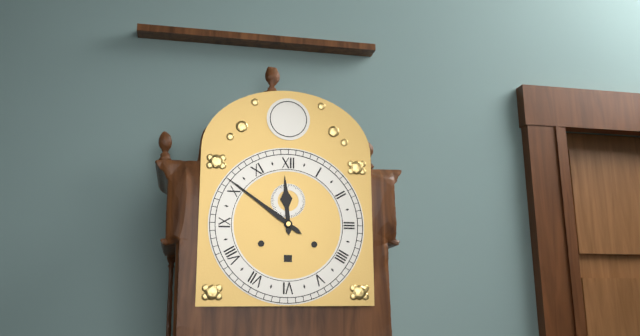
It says 11:51
